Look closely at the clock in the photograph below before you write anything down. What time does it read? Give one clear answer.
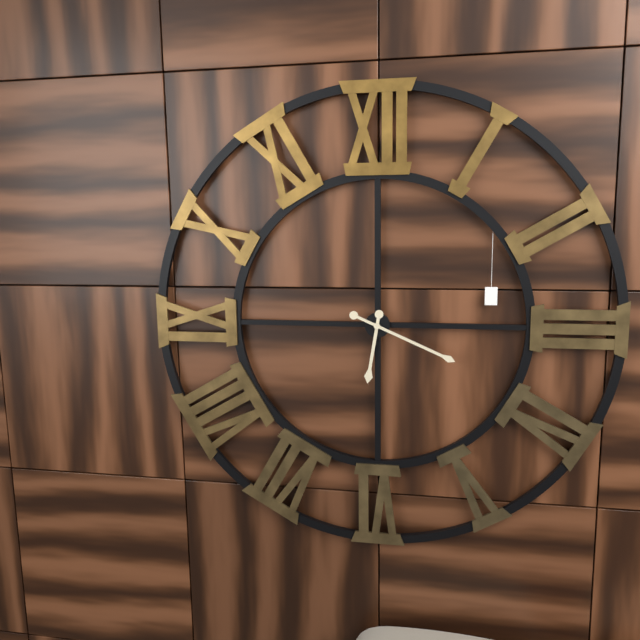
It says 6:19
